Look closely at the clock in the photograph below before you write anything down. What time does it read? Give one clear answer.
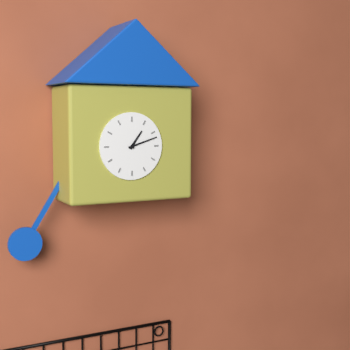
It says 1:12
